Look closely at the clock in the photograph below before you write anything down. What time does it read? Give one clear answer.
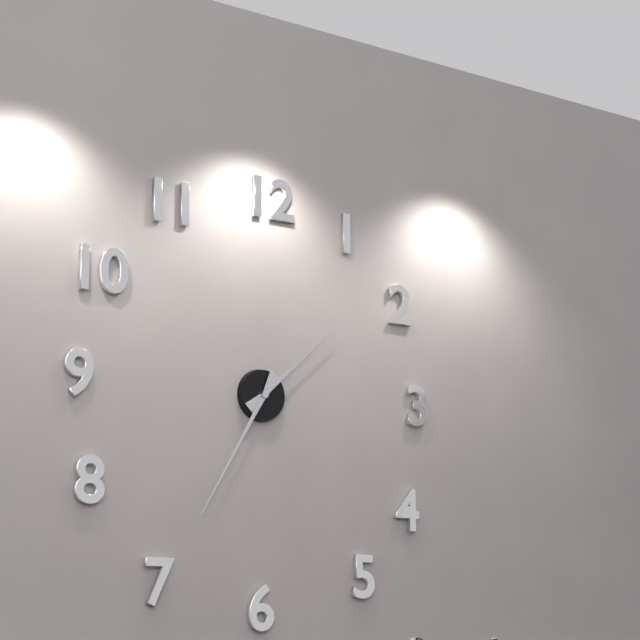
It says 1:35
